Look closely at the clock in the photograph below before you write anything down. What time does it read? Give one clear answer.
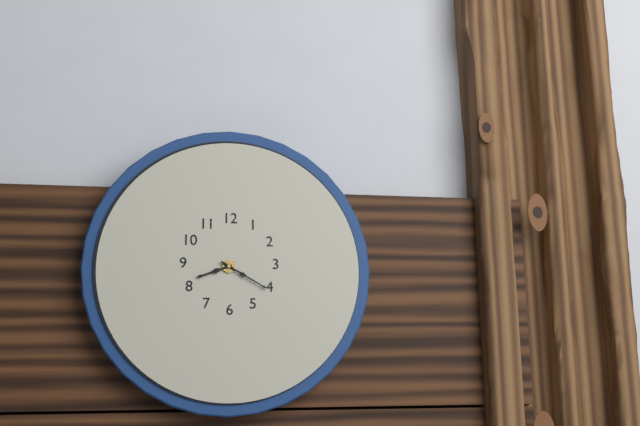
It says 8:20
